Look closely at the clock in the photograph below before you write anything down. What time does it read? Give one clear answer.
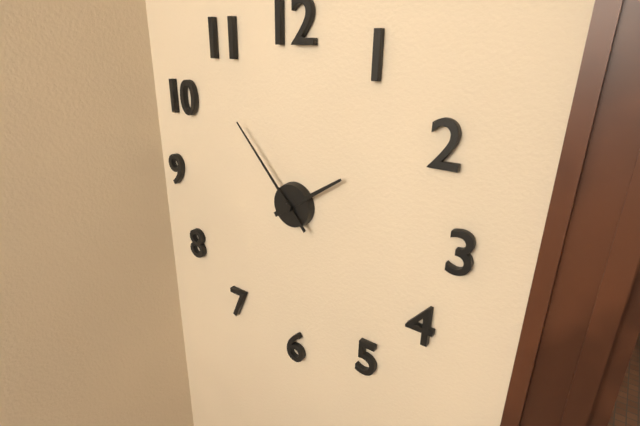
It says 1:53
